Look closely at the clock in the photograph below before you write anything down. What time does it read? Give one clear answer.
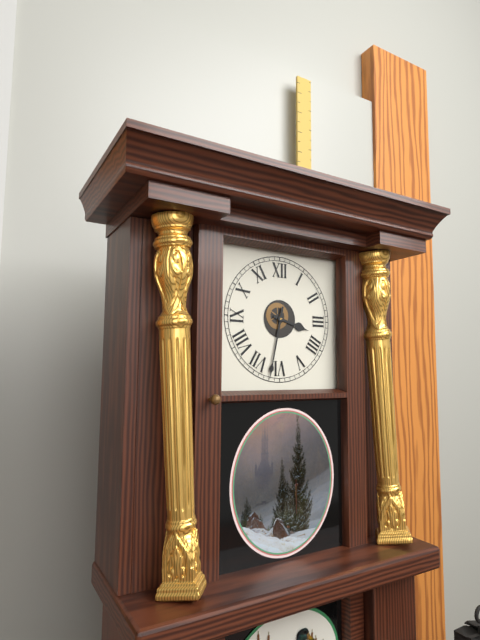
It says 3:32
